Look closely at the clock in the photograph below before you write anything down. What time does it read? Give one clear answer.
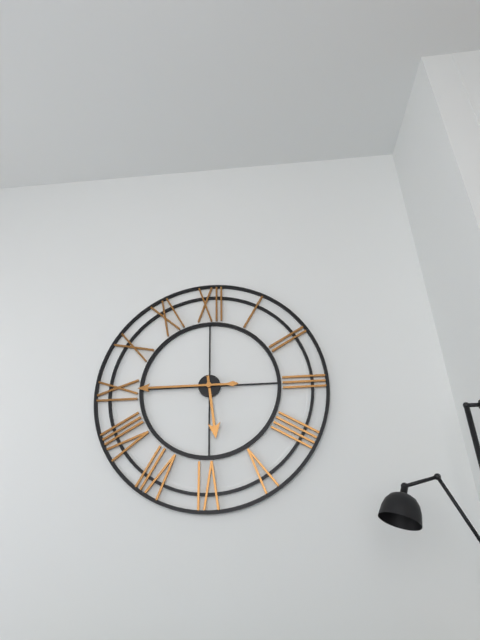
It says 5:45
